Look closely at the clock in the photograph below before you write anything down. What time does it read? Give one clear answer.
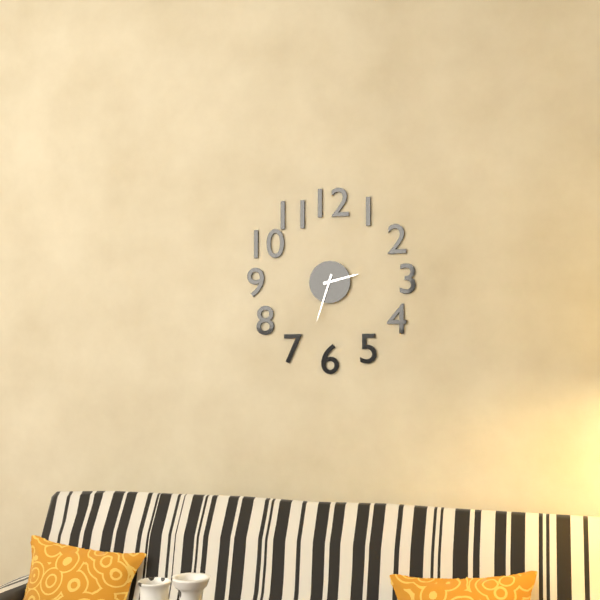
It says 2:33
